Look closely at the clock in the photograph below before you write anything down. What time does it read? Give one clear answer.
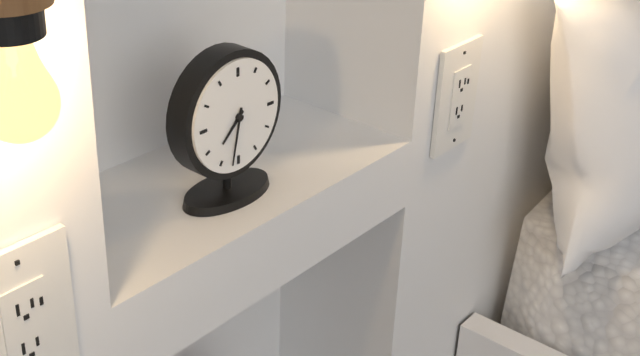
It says 7:32
